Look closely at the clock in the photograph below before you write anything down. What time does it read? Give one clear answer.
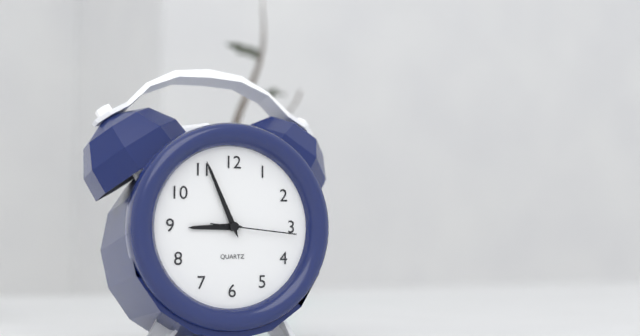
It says 8:56:16
